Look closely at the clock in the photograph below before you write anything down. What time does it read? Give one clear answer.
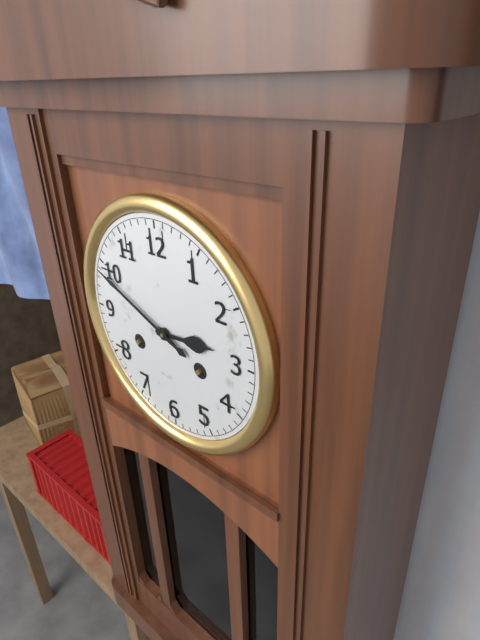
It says 2:49
